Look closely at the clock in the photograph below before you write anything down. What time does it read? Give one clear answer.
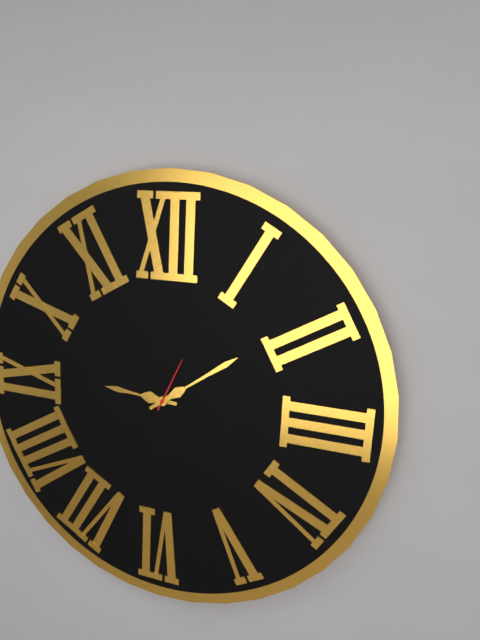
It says 9:09:04
